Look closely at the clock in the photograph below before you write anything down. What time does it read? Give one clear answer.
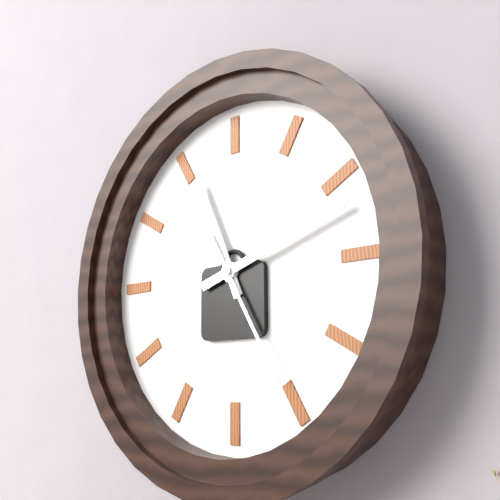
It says 11:12:25
